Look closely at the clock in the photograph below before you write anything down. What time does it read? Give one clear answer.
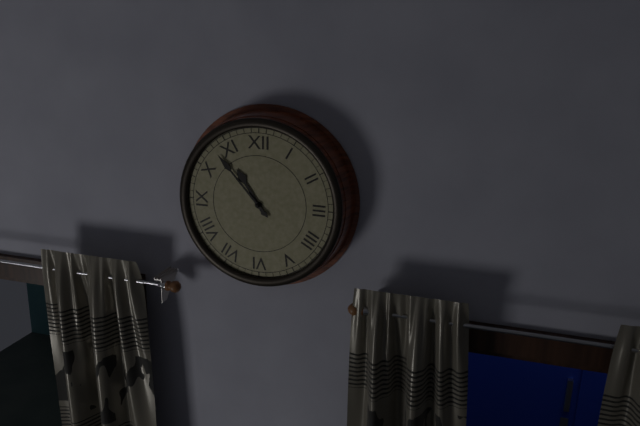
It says 10:53
